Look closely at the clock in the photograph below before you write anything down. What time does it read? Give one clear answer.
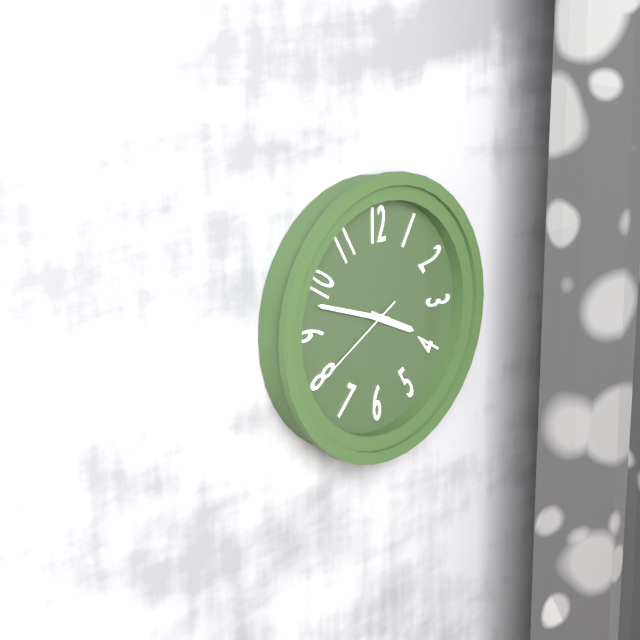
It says 3:48:40
